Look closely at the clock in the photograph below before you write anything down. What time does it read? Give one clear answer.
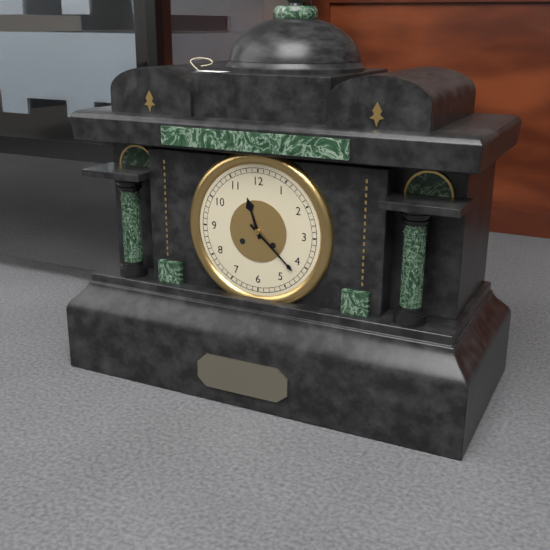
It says 11:22
